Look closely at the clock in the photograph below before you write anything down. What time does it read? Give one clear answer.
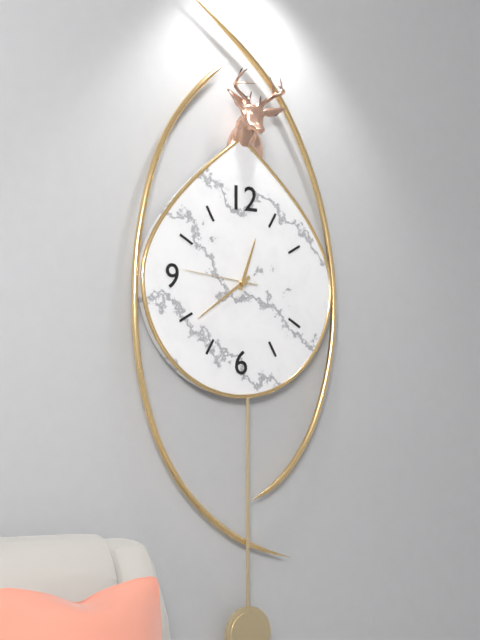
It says 12:39:46
